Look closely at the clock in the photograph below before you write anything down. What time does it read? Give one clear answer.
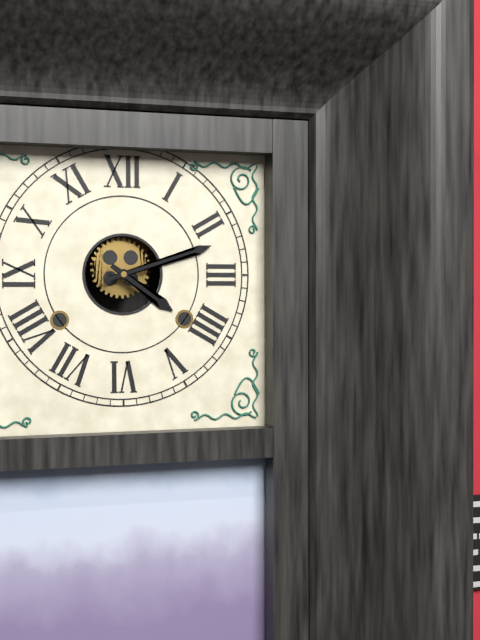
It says 4:12
